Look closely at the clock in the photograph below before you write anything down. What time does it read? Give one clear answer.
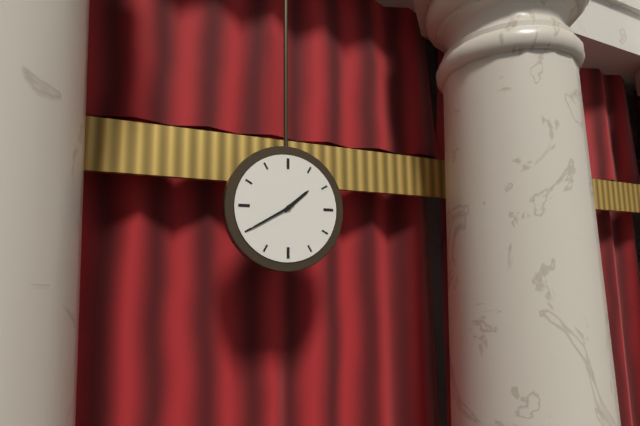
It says 1:40
